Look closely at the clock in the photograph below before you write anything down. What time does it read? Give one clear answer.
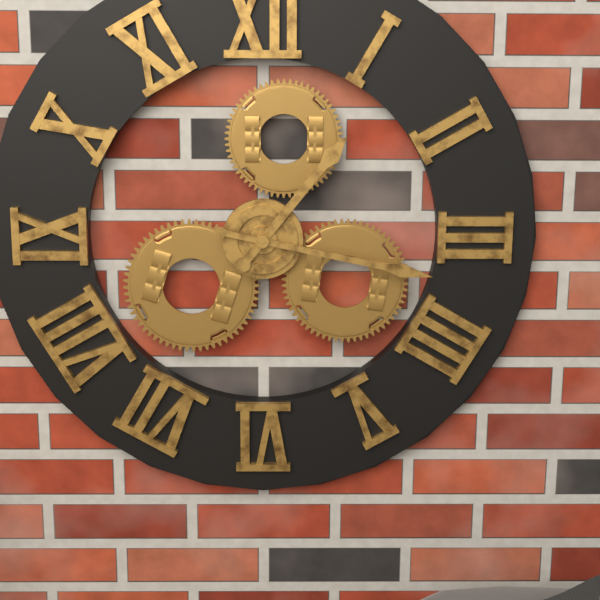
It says 1:17
